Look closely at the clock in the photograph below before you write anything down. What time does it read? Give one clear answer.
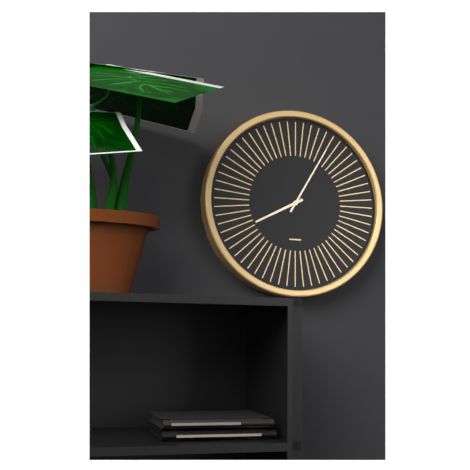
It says 8:05
